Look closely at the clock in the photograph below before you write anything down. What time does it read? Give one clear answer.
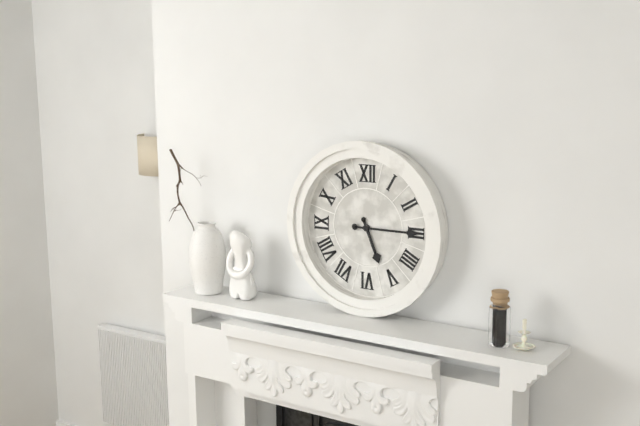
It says 5:15
